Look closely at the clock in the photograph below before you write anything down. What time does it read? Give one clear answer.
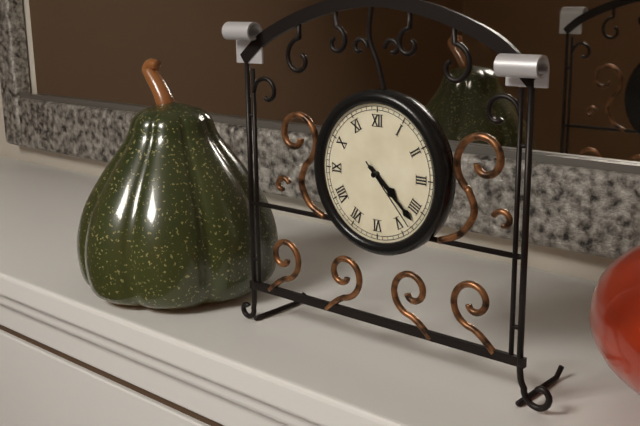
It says 4:22:23
